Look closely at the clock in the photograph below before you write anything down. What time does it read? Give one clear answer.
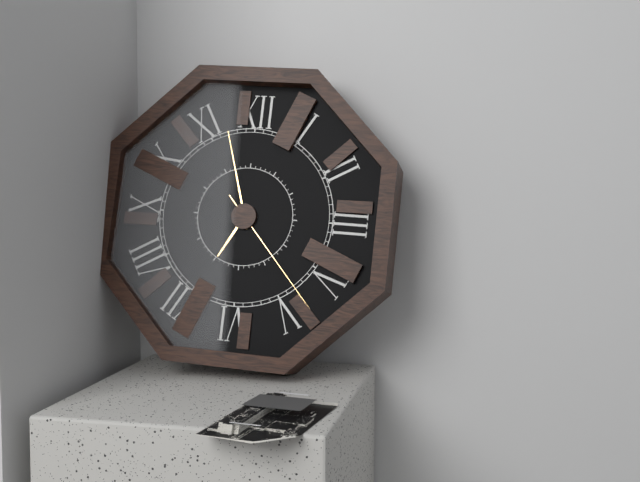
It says 6:57:23
